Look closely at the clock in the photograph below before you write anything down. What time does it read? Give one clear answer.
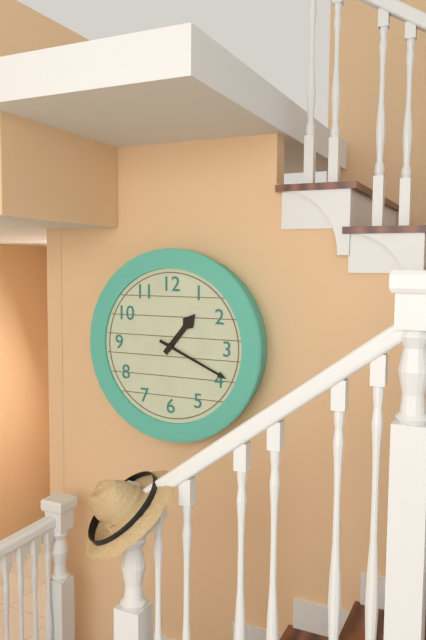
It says 1:19
